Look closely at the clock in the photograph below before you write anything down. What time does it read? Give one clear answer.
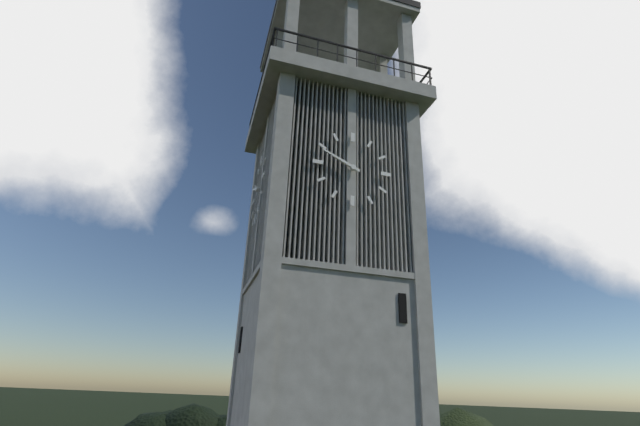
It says 9:49
